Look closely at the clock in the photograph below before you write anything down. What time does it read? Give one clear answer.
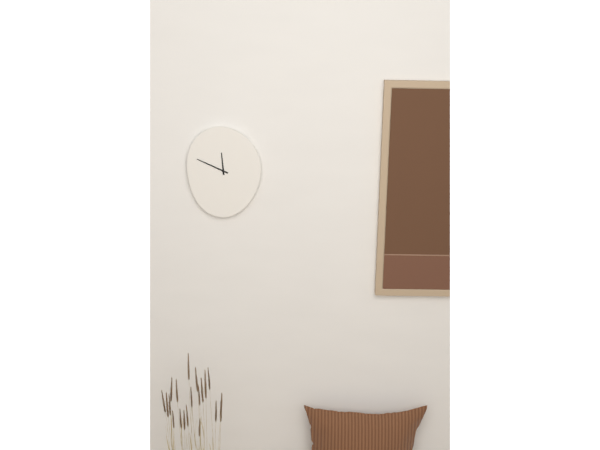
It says 11:49
